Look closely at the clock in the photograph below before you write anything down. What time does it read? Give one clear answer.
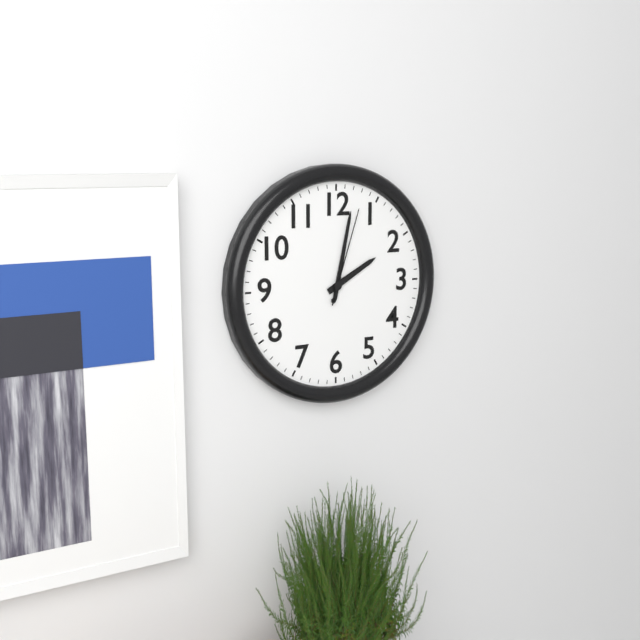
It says 2:02:03
